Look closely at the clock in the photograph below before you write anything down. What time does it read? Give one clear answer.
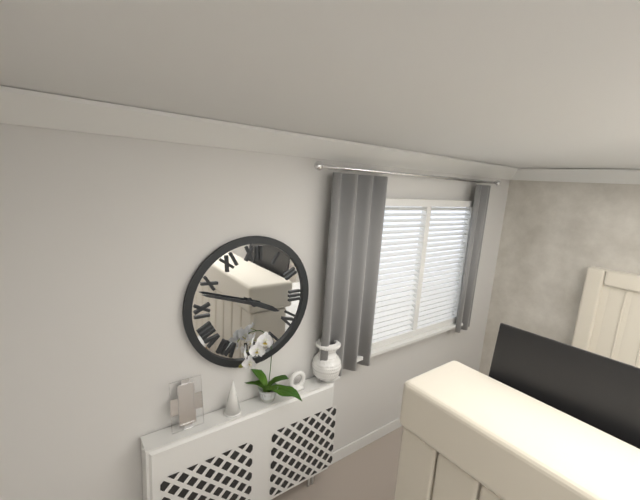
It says 3:48
